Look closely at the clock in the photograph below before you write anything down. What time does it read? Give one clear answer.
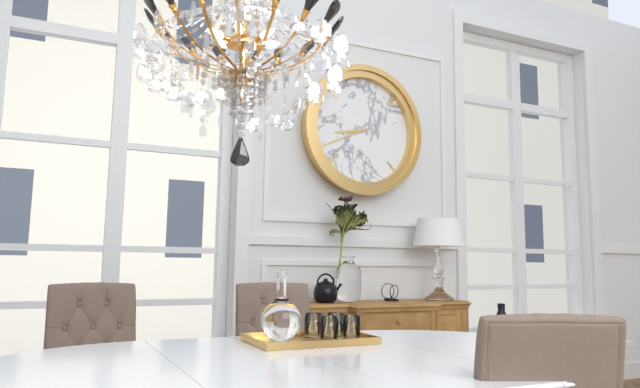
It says 8:41
